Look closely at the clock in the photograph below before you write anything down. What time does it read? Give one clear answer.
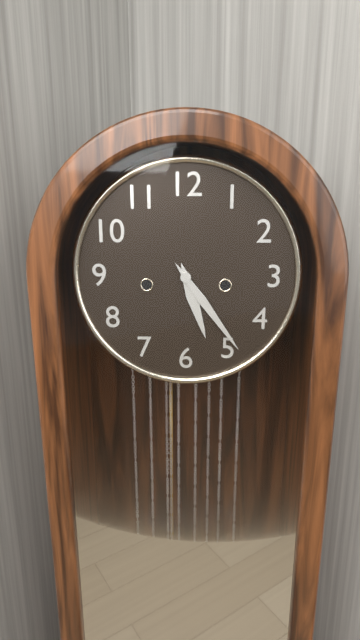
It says 5:24
